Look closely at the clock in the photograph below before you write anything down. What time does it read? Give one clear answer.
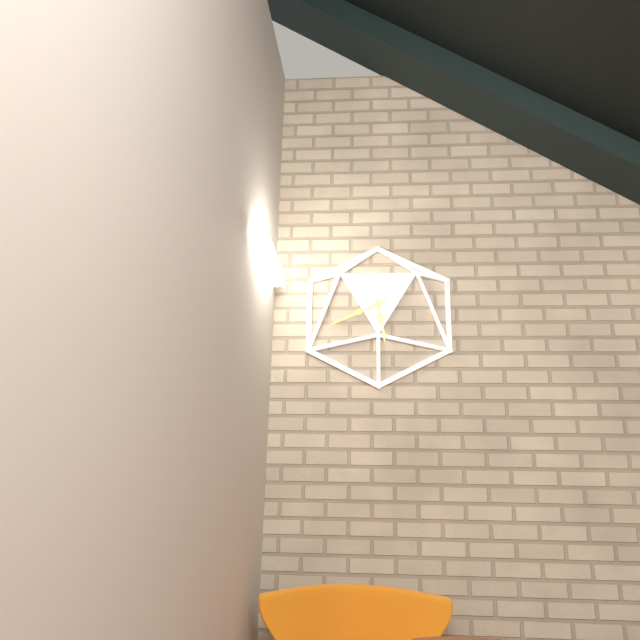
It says 5:41
